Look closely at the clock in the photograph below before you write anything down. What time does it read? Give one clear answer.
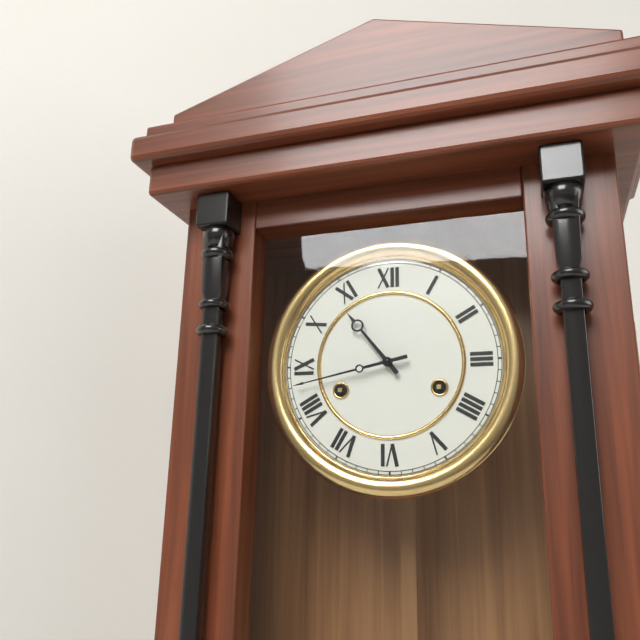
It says 10:43
